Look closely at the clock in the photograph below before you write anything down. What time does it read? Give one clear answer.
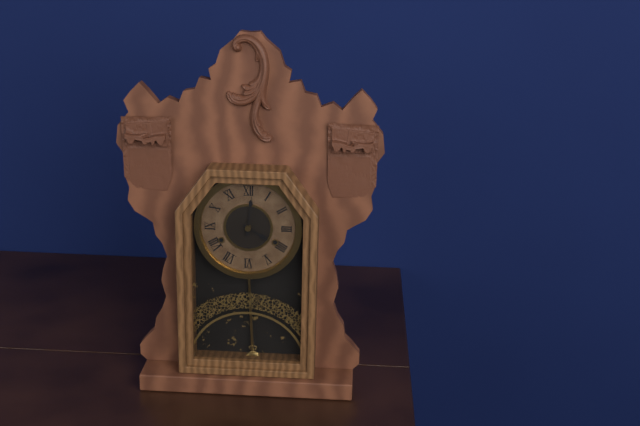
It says 4:01
